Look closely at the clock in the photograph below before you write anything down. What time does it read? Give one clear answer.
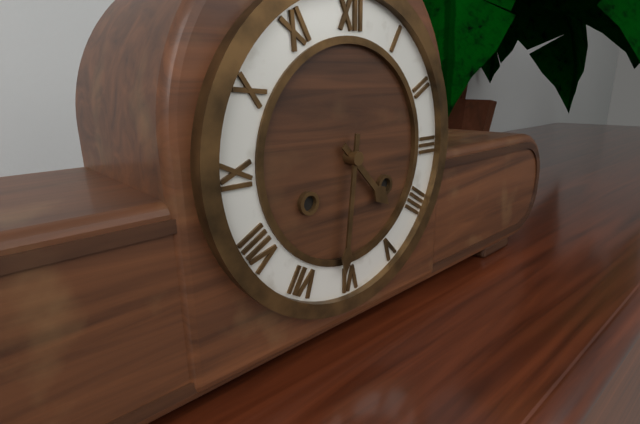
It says 4:31
